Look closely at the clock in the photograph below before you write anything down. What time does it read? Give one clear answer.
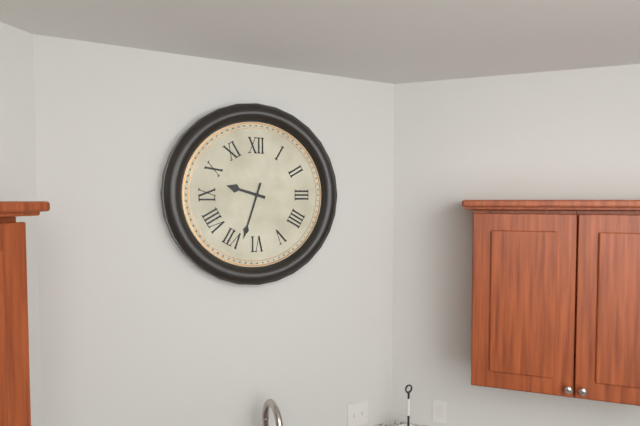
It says 9:33
